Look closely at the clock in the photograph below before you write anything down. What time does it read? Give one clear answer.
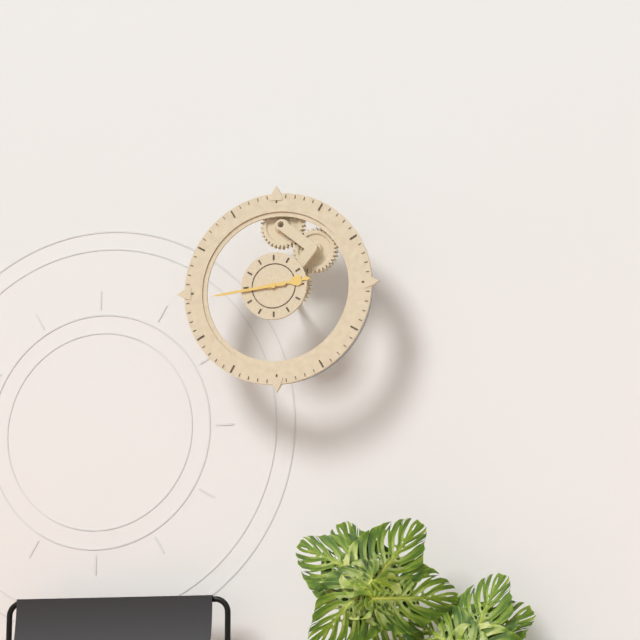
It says 2:44
